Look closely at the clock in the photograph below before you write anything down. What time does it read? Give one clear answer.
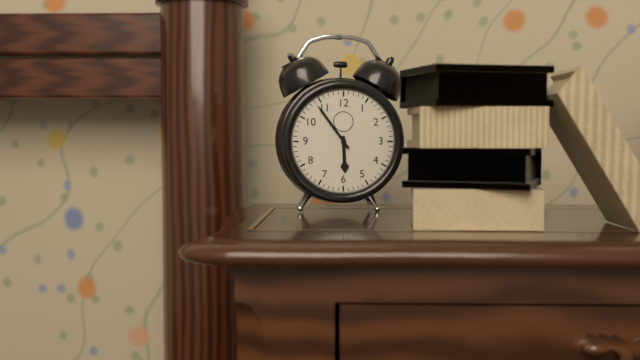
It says 5:54
